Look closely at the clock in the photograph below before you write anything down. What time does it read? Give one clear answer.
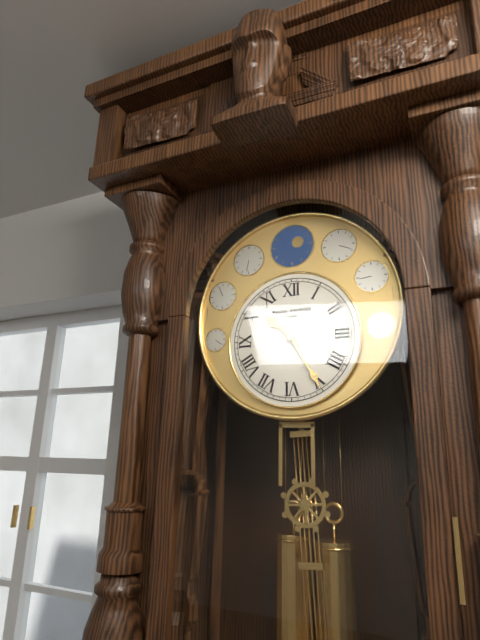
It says 10:25
